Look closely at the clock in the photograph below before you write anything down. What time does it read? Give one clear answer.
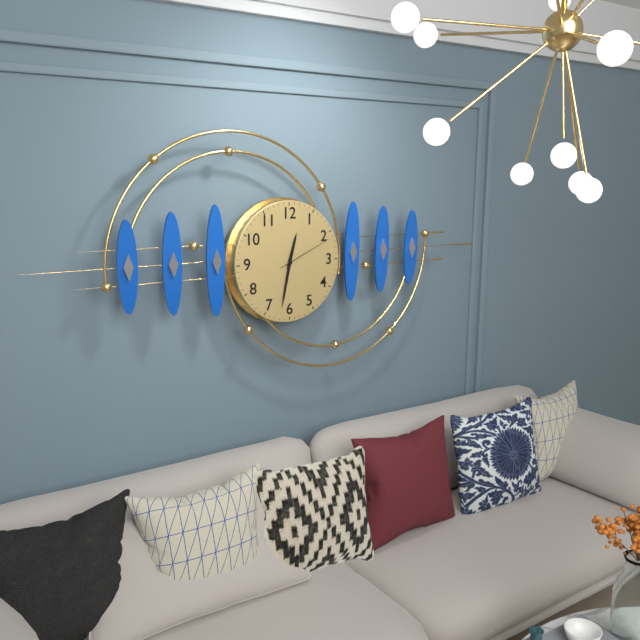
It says 12:32:11
